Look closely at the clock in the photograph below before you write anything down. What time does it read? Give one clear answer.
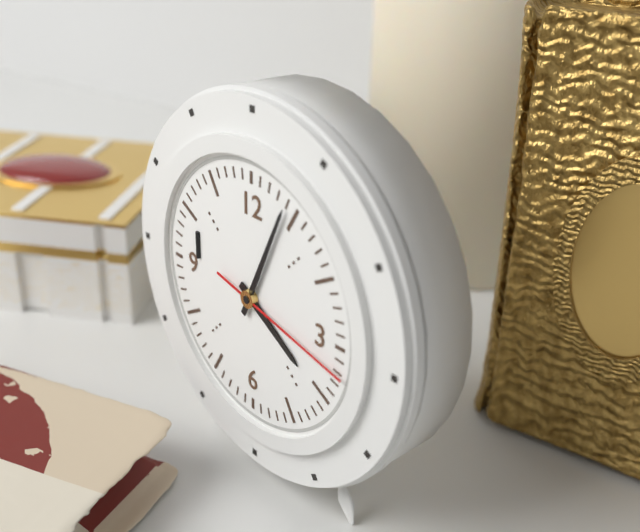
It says 4:04:17
